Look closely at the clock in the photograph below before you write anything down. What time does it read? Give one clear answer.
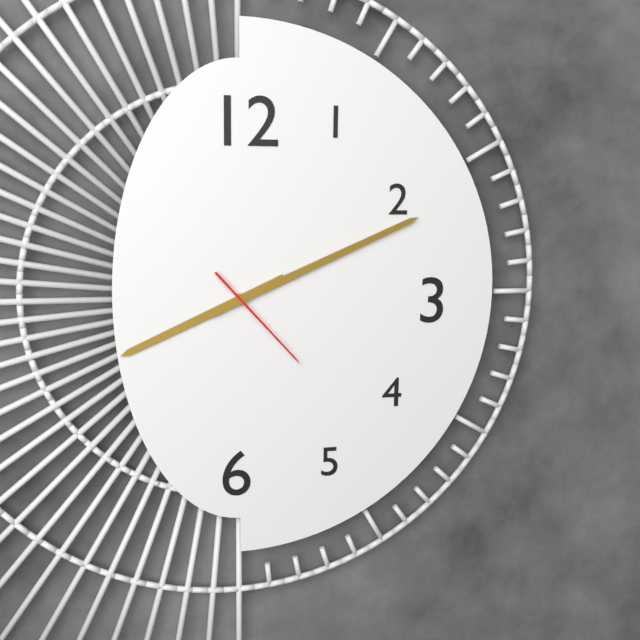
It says 8:11:23
